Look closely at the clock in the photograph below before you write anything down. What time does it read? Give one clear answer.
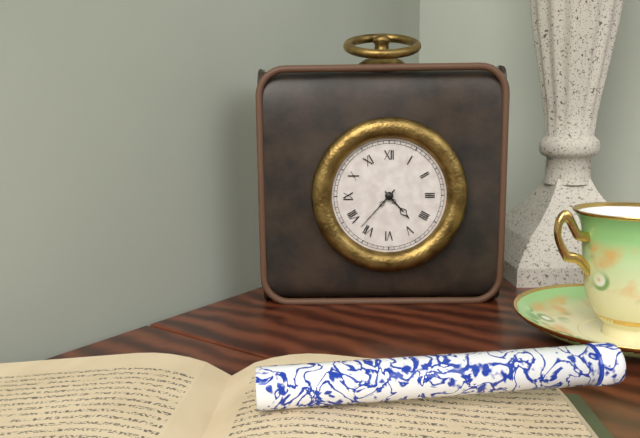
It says 4:37
